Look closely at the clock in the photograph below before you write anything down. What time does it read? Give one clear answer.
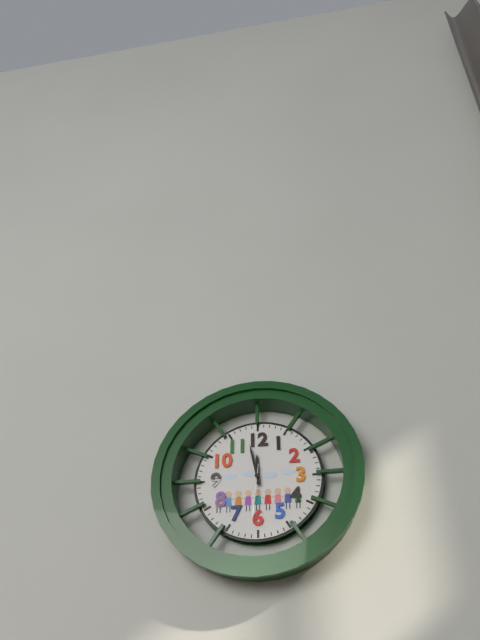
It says 11:58:31
